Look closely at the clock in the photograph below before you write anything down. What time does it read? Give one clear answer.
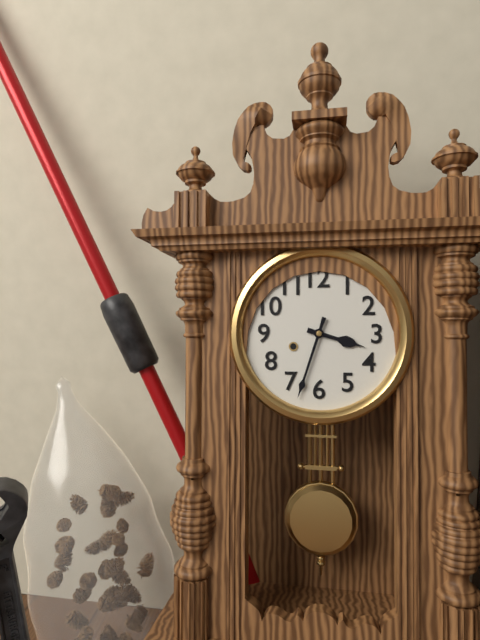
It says 3:33
